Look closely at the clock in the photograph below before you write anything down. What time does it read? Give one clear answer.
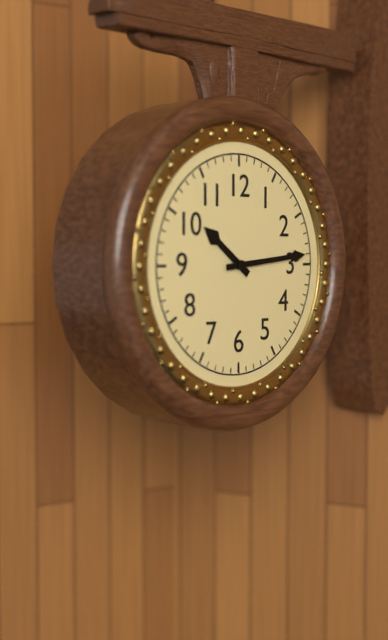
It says 10:14
